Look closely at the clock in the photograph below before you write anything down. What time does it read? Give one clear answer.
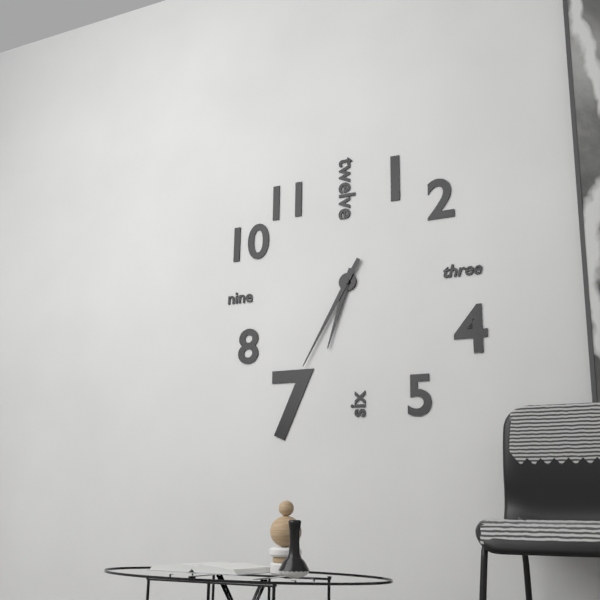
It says 6:35
